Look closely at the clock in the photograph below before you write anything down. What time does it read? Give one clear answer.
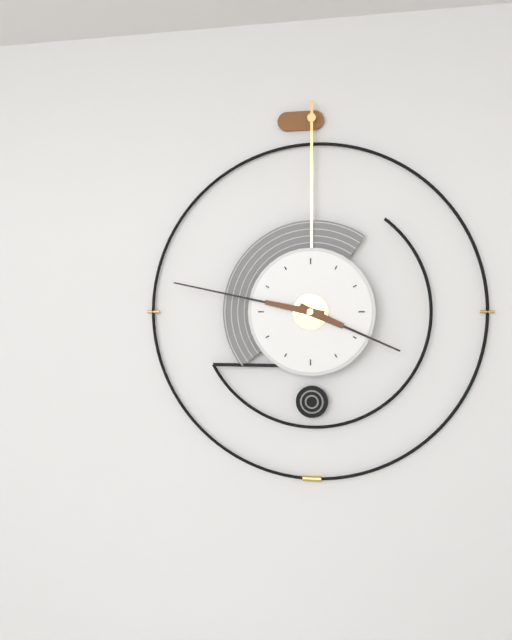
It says 3:47
